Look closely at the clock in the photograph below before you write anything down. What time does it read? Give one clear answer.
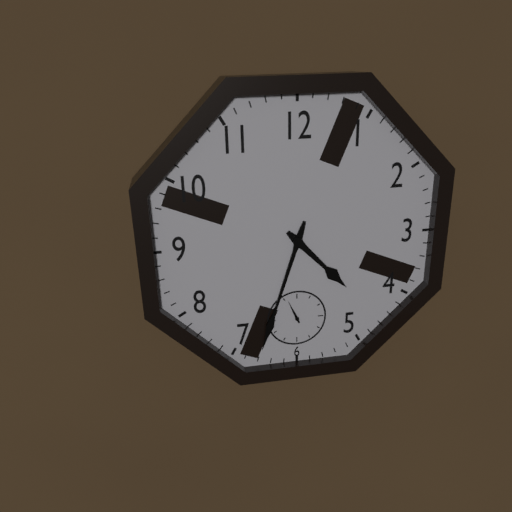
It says 4:33
